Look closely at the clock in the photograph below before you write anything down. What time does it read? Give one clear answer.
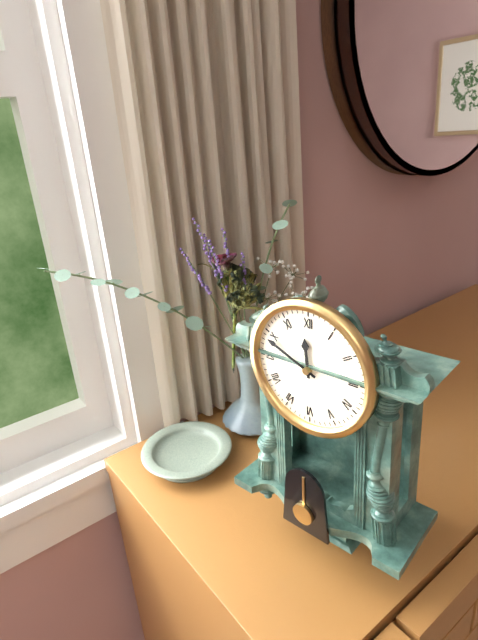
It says 11:49
